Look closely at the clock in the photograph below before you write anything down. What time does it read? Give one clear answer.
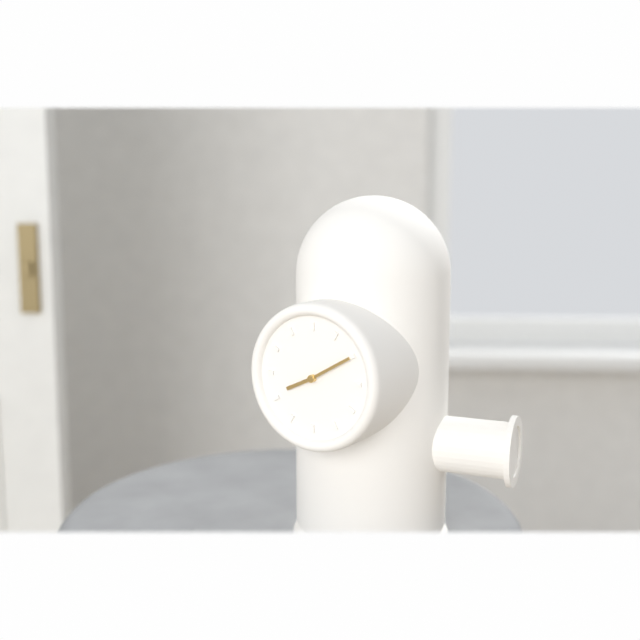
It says 8:10
